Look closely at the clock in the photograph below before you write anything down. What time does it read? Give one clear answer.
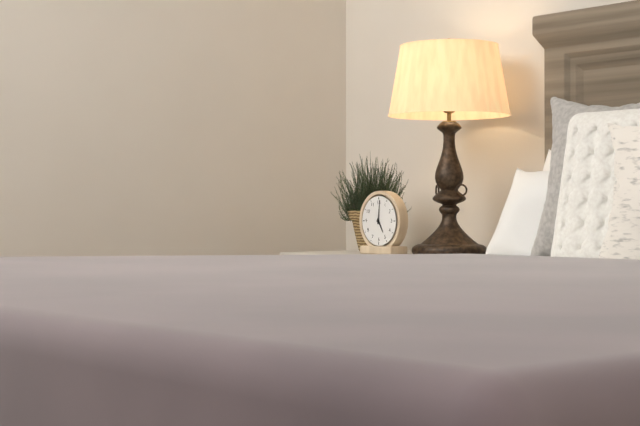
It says 5:01
